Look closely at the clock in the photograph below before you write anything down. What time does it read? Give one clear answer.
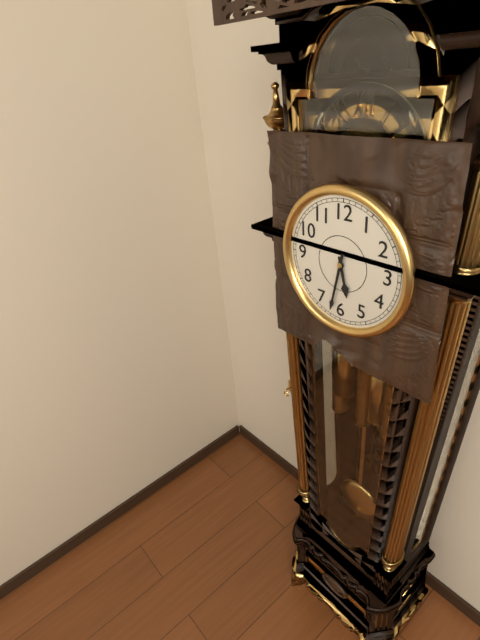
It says 5:32
